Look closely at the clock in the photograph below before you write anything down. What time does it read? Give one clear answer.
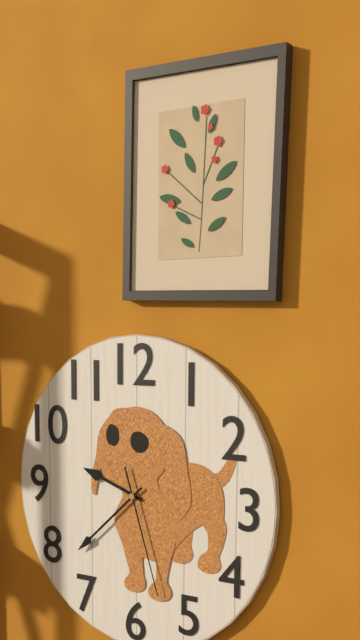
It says 9:38:27
